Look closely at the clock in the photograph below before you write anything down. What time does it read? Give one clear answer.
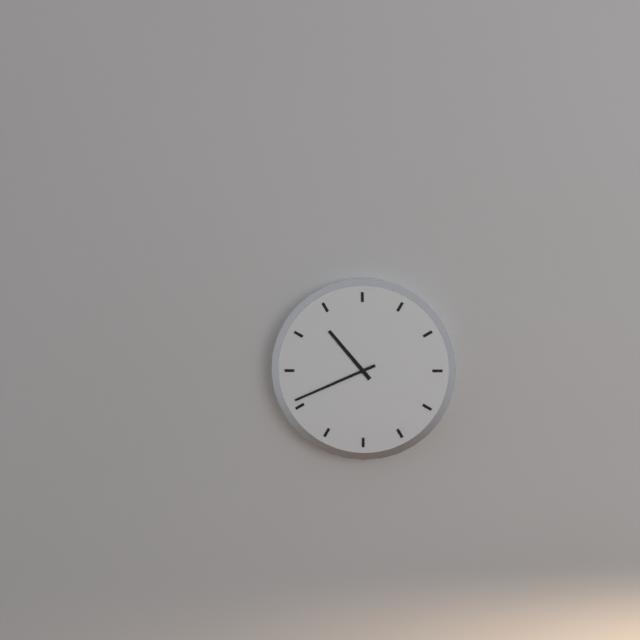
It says 10:41
